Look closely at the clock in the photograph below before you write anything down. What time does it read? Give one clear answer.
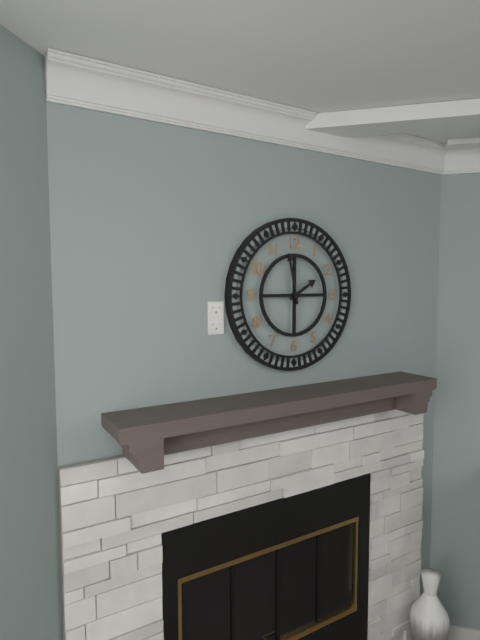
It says 1:58
